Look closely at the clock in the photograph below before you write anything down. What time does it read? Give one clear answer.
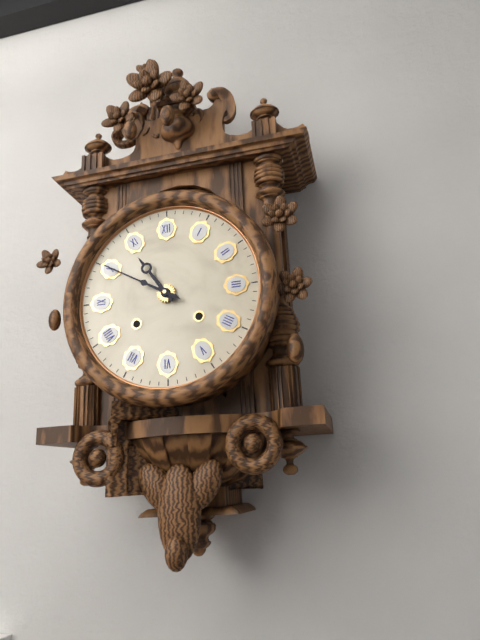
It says 10:50
